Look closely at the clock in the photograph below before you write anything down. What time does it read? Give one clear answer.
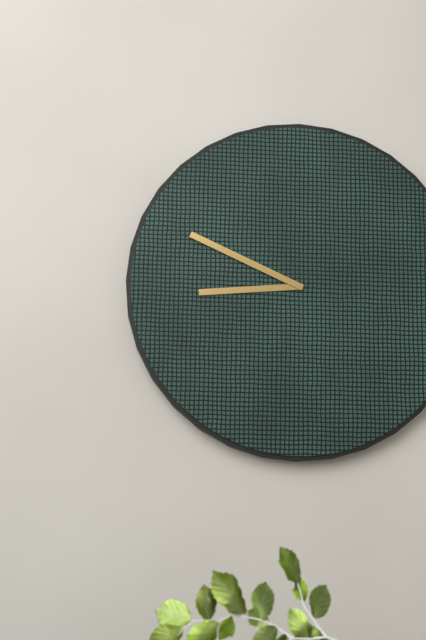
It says 8:49
